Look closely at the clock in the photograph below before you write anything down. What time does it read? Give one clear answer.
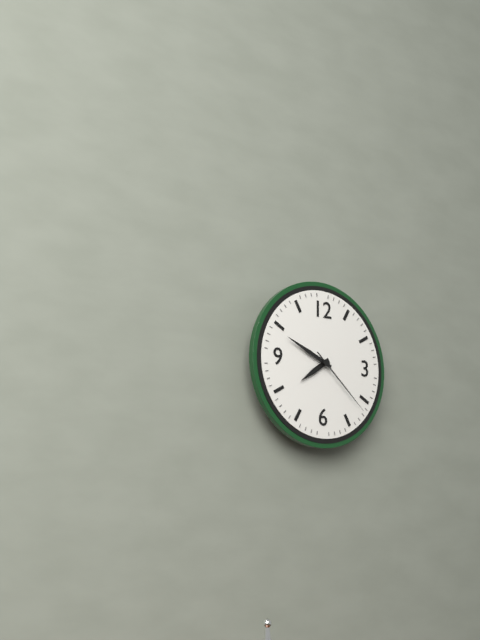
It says 7:49:22
